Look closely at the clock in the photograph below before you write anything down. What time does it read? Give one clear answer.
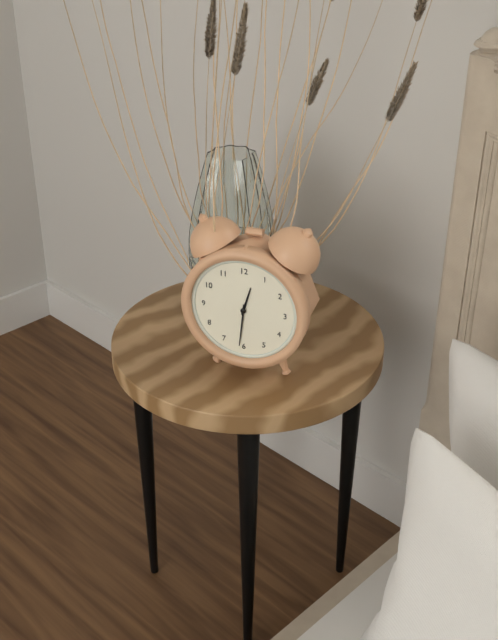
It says 12:31
